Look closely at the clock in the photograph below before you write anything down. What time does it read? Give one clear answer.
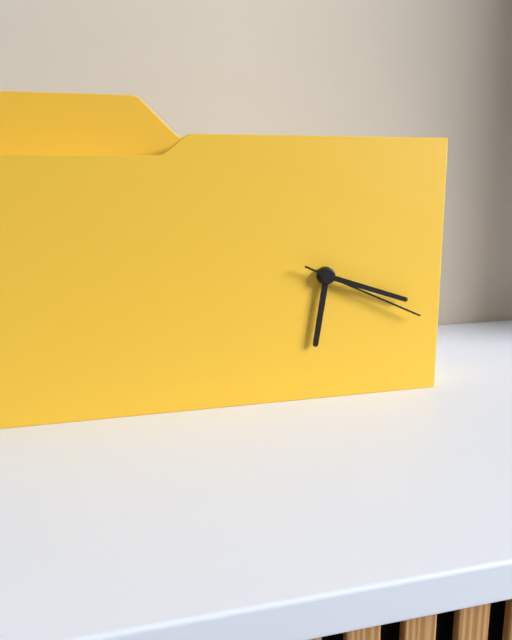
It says 6:18:19
